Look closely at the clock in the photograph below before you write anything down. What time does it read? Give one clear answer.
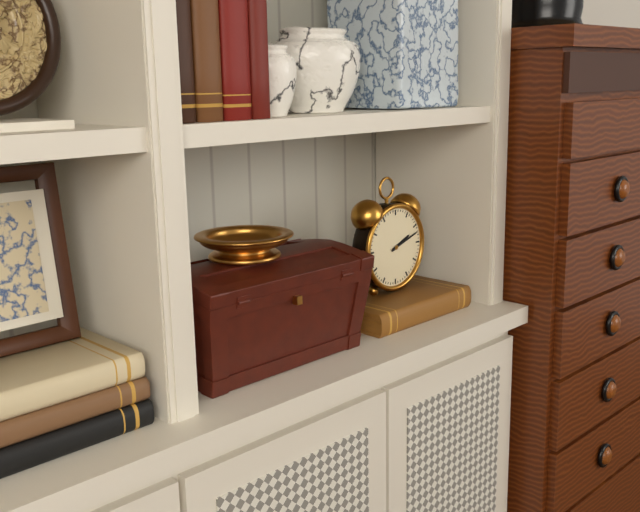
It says 2:12
